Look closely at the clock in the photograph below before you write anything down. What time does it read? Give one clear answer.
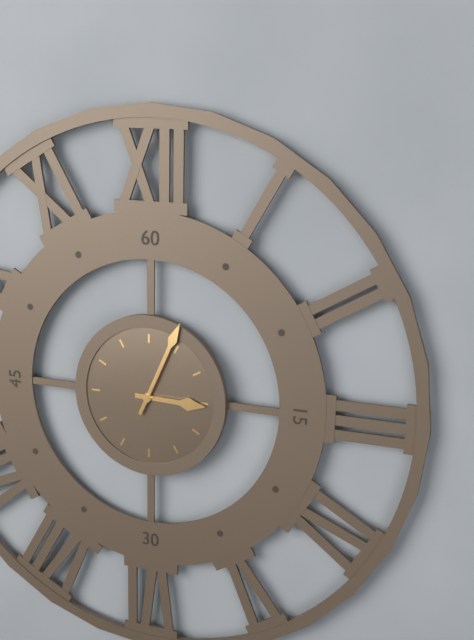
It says 3:04
